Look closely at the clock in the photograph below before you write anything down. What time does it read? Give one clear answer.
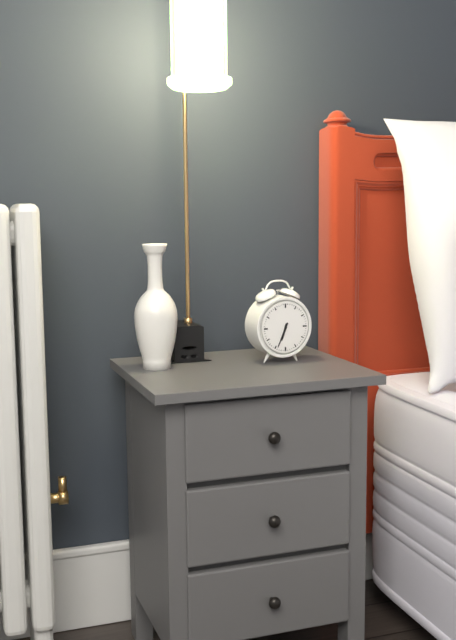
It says 6:34
